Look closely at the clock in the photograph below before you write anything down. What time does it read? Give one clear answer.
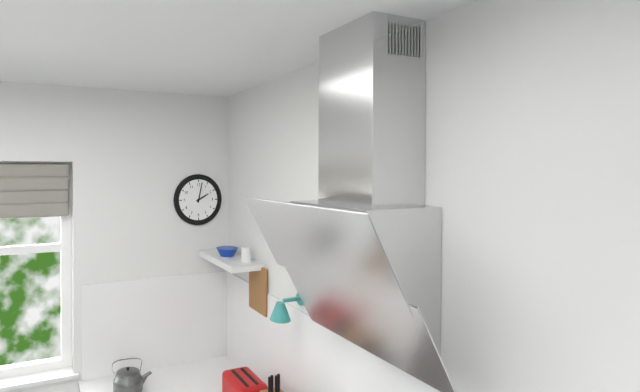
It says 2:02
